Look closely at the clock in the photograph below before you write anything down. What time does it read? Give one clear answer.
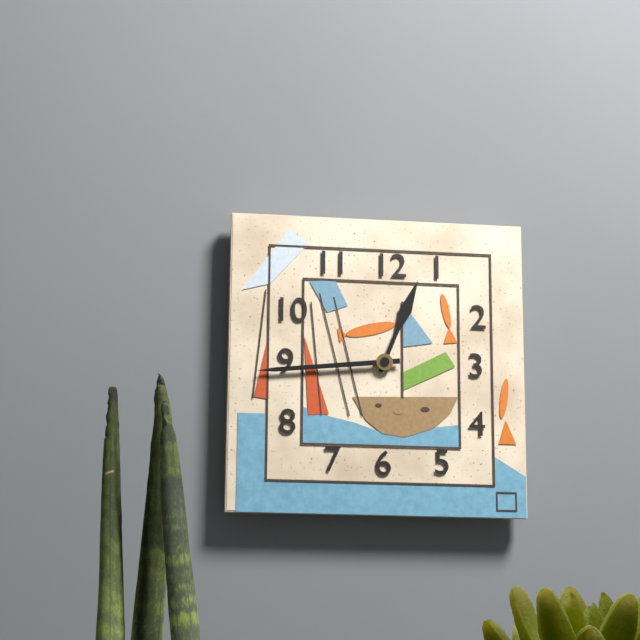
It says 12:44
